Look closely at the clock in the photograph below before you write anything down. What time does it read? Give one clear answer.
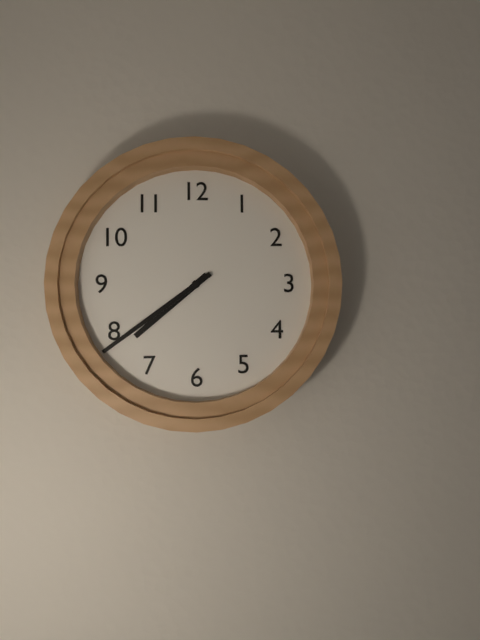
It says 7:39
